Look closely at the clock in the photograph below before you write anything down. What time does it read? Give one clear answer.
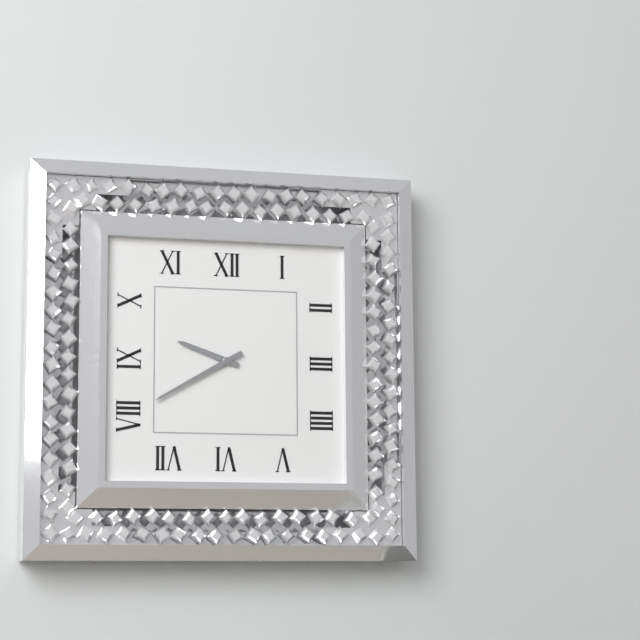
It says 9:40
